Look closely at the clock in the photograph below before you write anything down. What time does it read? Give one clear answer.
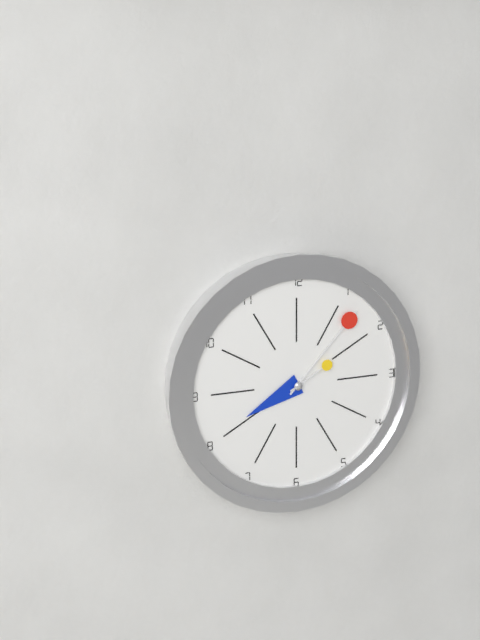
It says 8:07:10
